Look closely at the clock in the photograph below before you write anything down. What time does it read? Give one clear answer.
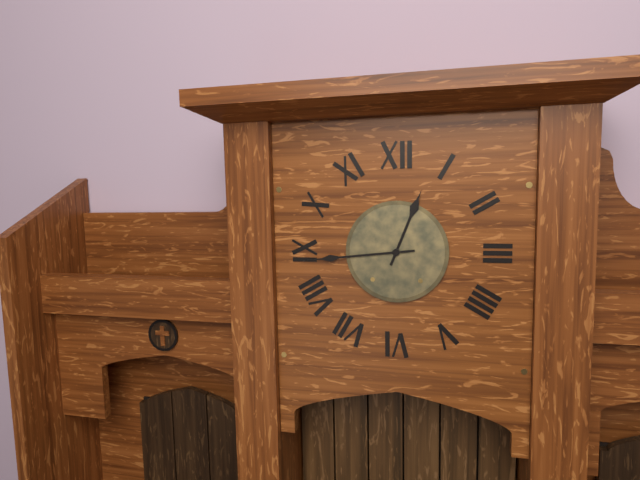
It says 12:44
